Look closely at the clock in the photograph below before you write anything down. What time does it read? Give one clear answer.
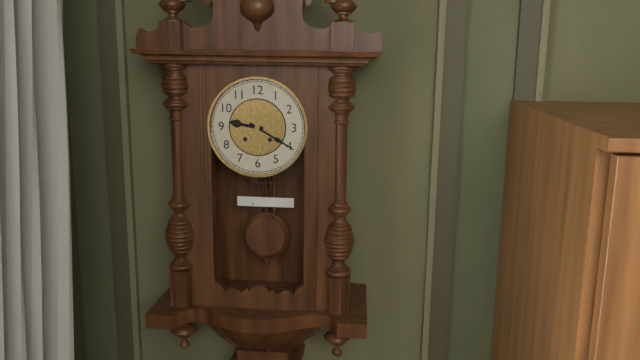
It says 9:20
